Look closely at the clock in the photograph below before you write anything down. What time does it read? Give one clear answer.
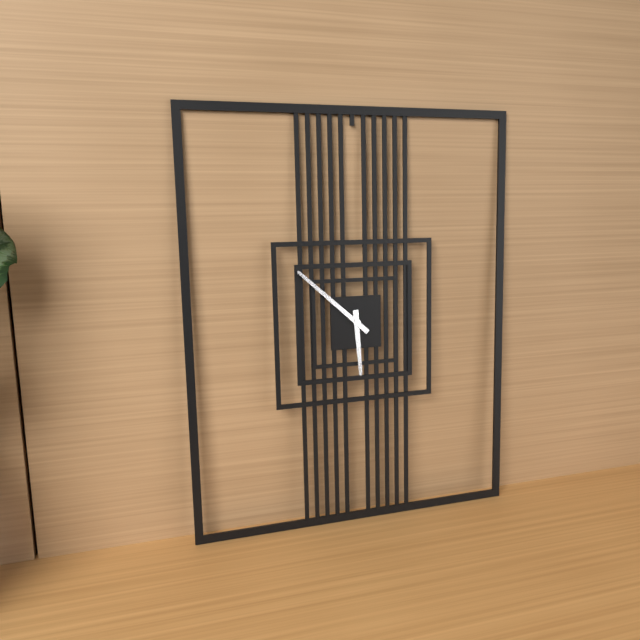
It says 5:52
